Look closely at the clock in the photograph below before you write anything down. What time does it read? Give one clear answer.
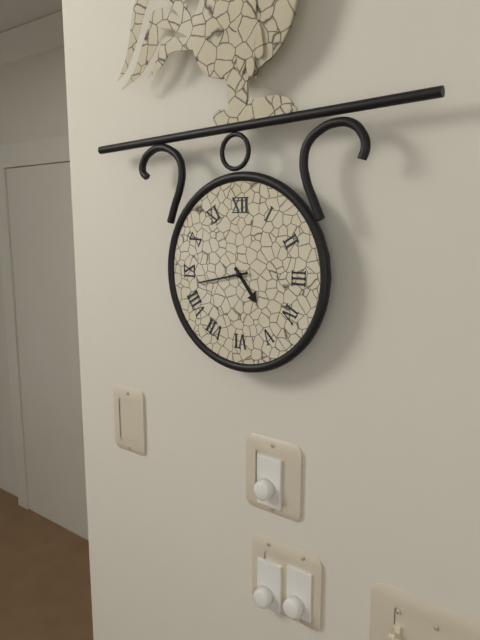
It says 4:43
